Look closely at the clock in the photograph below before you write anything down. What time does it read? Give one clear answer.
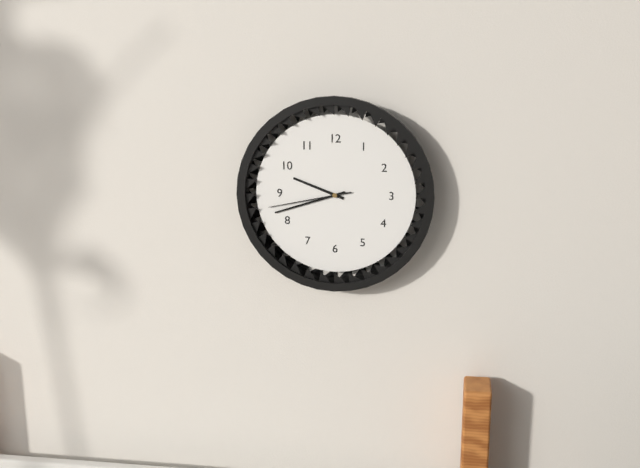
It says 9:42:43
